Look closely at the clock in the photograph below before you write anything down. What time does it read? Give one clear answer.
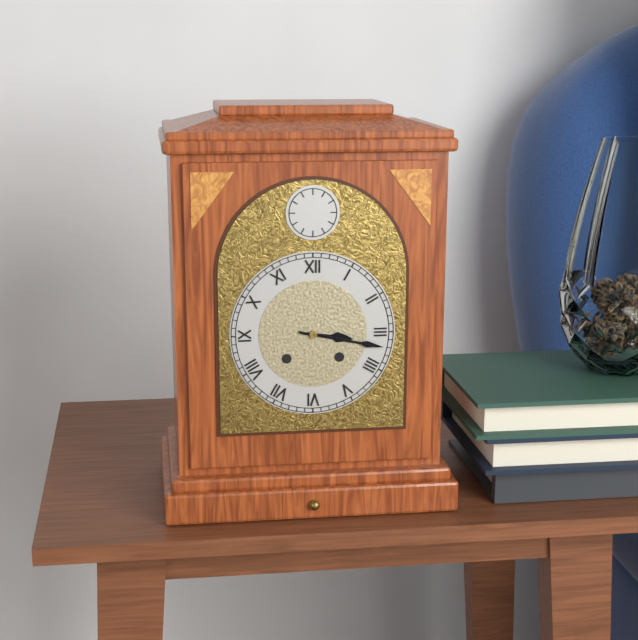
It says 3:17
